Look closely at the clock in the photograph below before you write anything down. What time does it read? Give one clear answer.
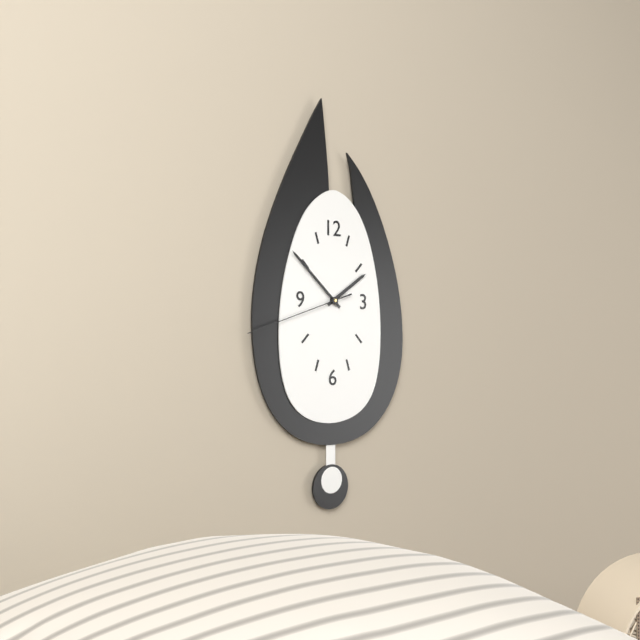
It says 1:52:42
